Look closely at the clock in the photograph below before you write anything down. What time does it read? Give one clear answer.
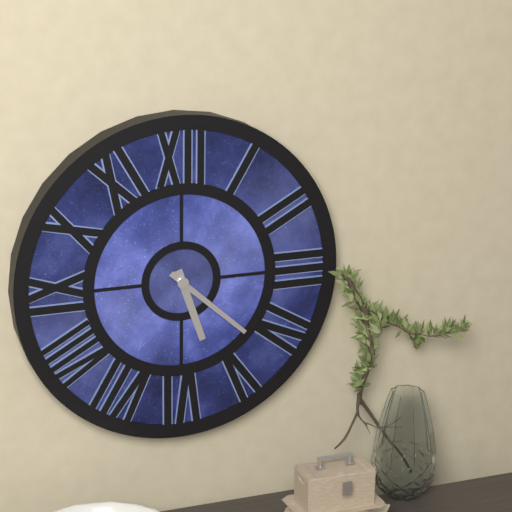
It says 5:22
